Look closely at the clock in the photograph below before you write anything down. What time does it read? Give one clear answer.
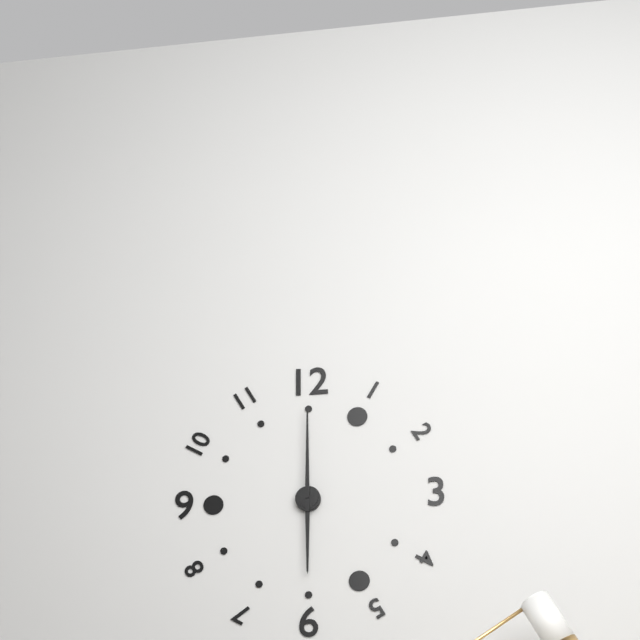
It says 6:00
